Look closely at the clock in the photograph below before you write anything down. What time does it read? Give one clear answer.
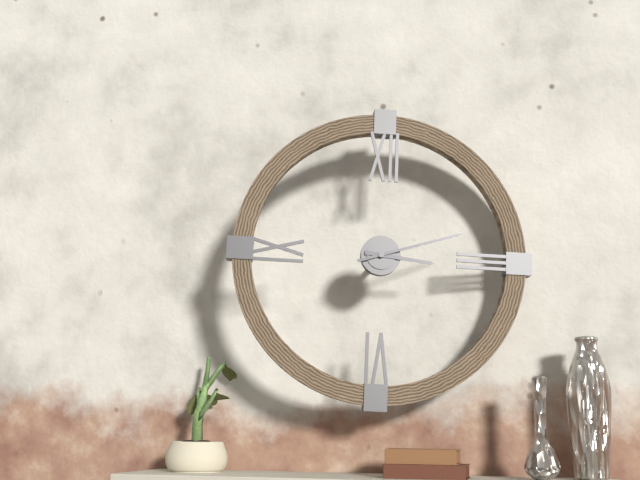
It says 3:12
